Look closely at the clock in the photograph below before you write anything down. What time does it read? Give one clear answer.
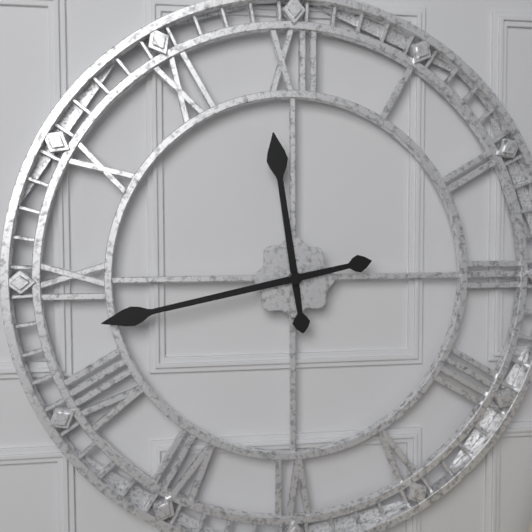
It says 11:43
